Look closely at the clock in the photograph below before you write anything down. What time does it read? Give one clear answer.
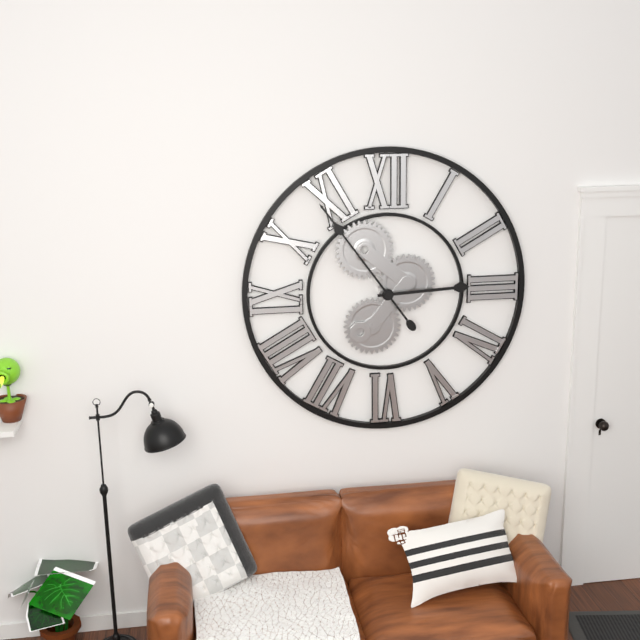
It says 2:54
